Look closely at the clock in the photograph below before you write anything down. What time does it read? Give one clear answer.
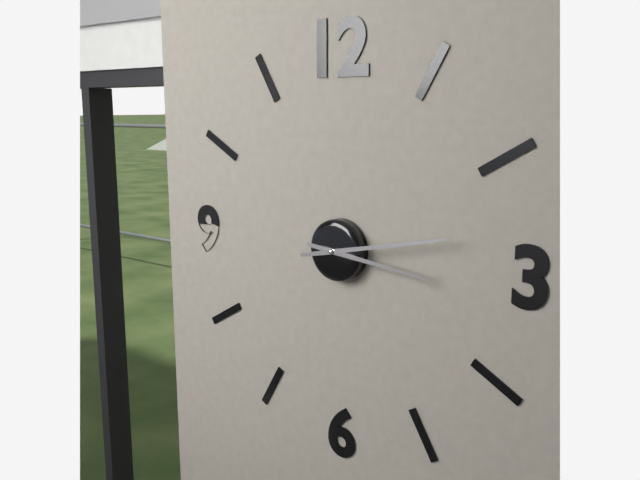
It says 3:13
